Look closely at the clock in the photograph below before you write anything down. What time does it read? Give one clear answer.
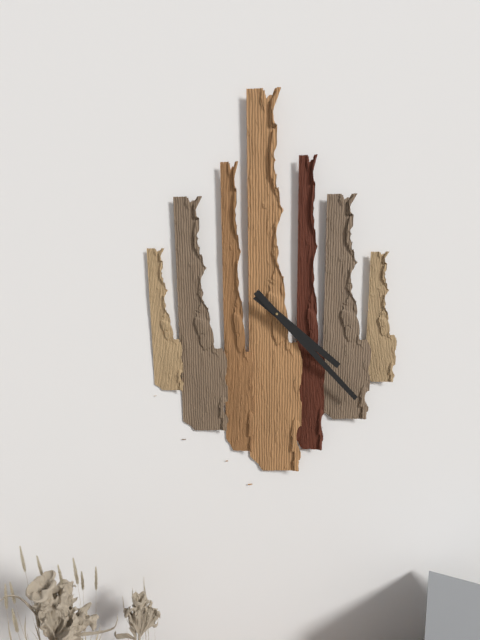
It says 4:23
